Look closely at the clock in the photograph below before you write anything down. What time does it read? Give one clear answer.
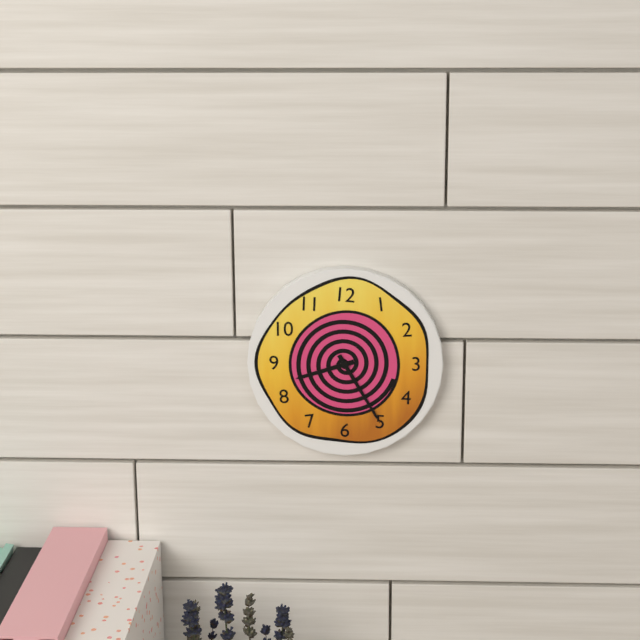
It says 8:25
